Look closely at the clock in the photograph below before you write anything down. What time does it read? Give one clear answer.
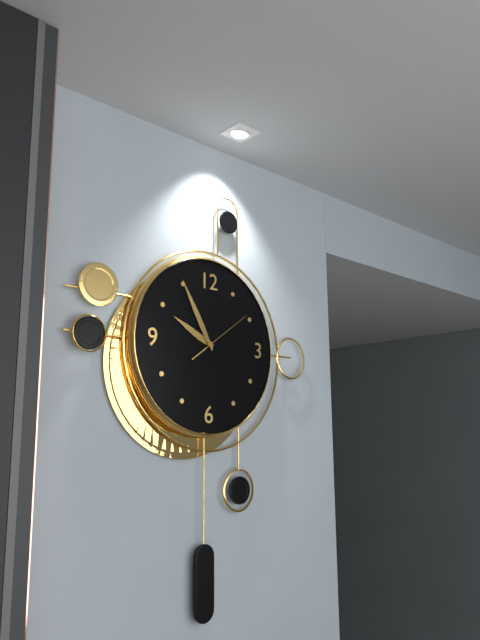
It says 9:55:09
